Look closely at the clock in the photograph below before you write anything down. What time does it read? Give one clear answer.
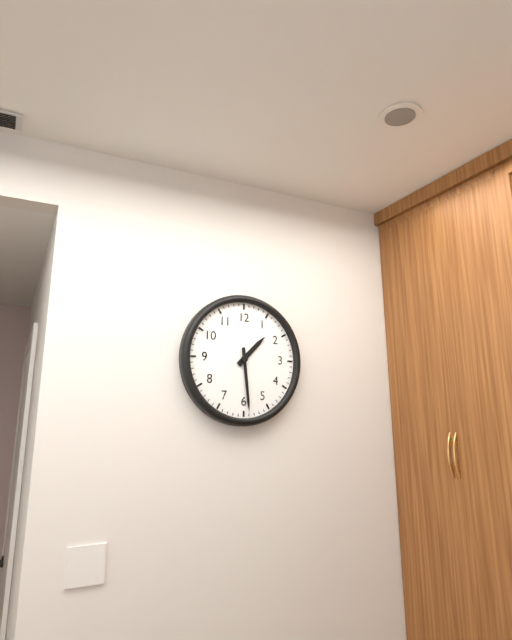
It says 1:29
